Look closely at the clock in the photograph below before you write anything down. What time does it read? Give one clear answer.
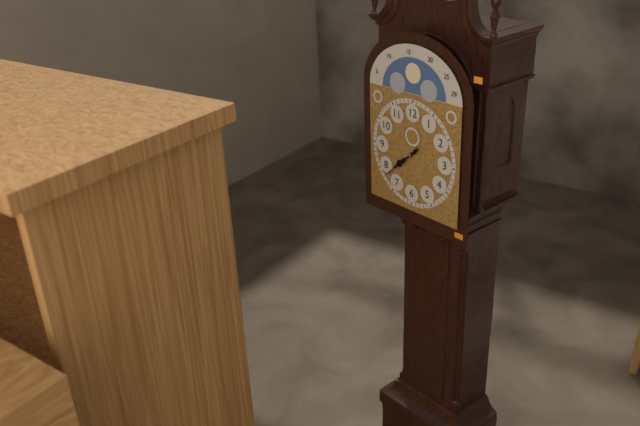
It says 7:38
